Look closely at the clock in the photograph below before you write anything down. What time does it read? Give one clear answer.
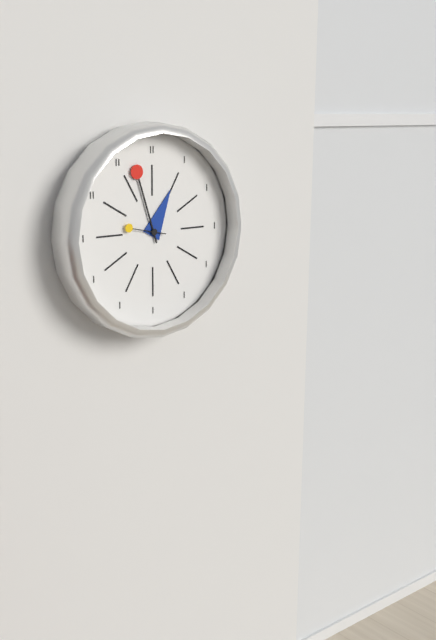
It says 12:57
